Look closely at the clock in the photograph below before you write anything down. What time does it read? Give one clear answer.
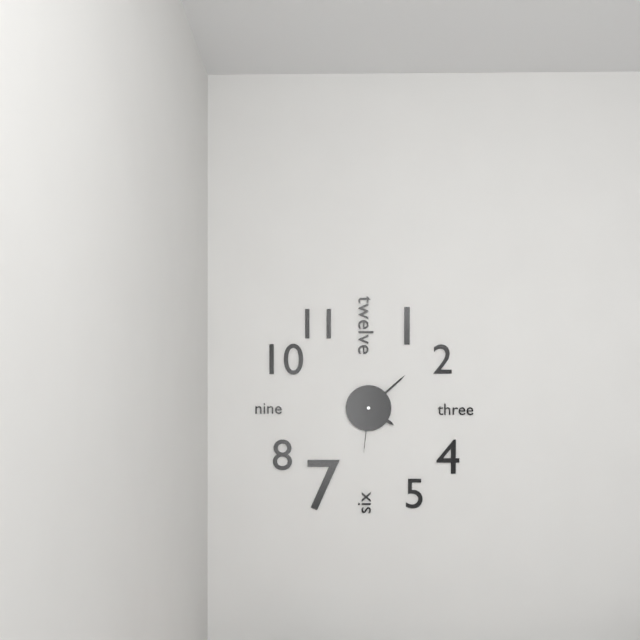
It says 4:08:31
